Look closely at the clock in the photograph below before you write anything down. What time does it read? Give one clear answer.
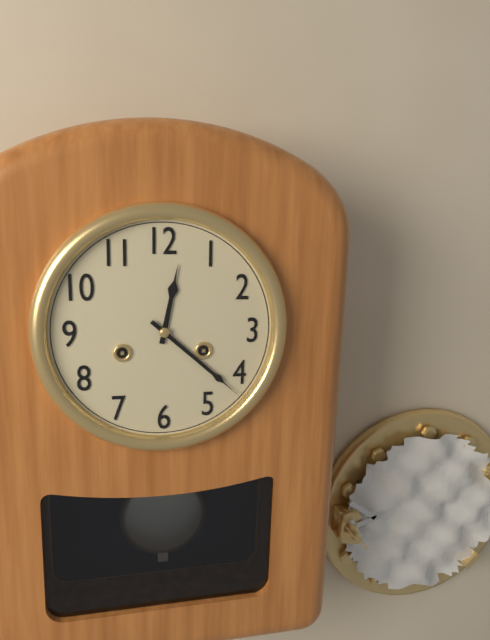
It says 12:22
